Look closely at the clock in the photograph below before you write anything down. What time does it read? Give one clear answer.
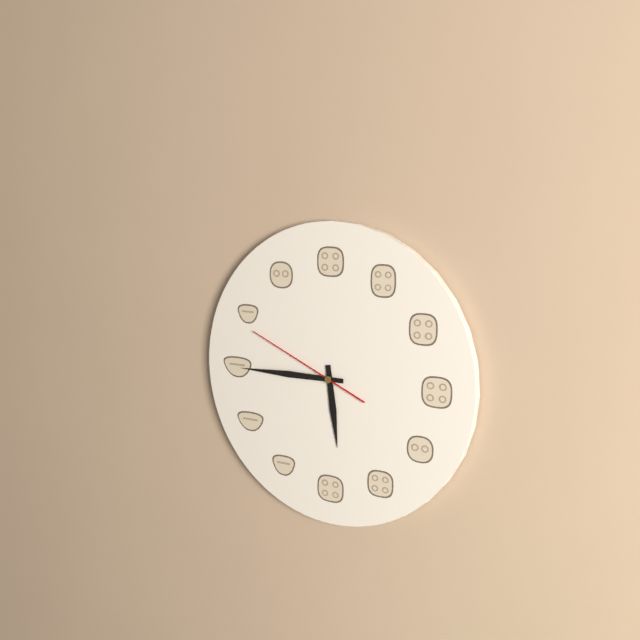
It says 5:45:49
